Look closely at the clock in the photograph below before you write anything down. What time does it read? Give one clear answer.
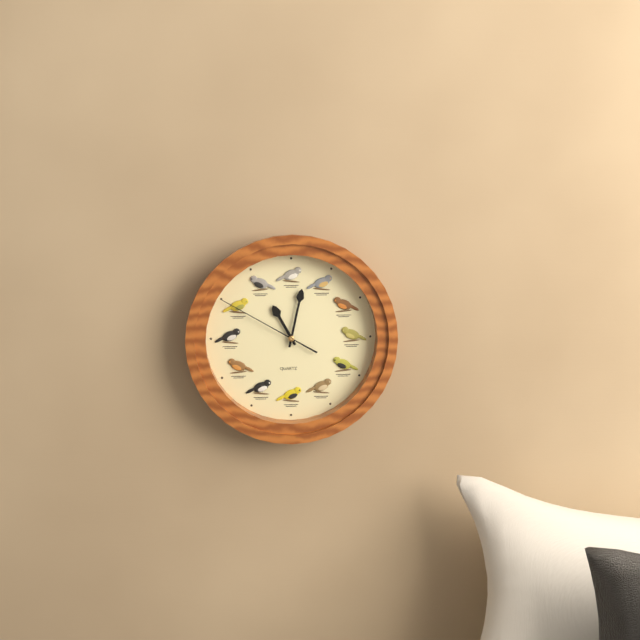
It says 11:02:50
